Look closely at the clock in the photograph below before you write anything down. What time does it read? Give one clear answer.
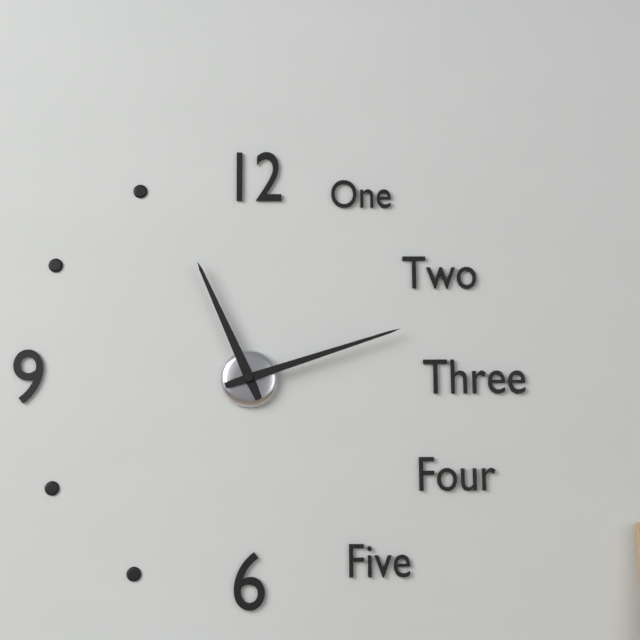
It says 11:12
